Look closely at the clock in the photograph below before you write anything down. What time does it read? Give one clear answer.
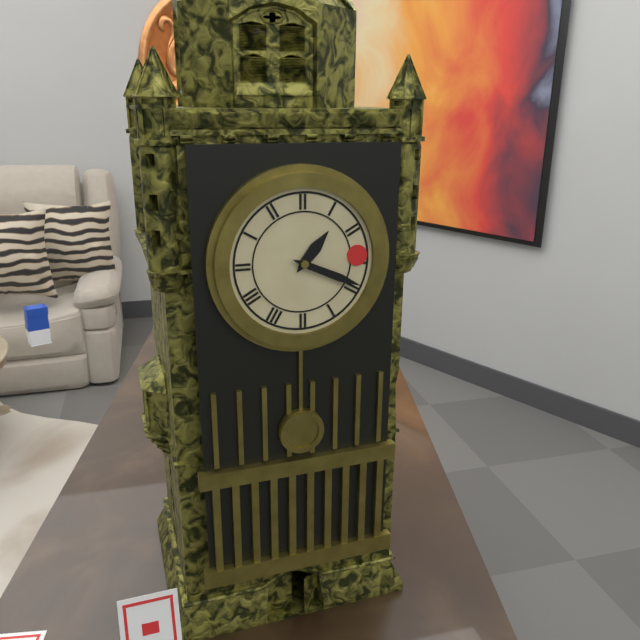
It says 1:19
